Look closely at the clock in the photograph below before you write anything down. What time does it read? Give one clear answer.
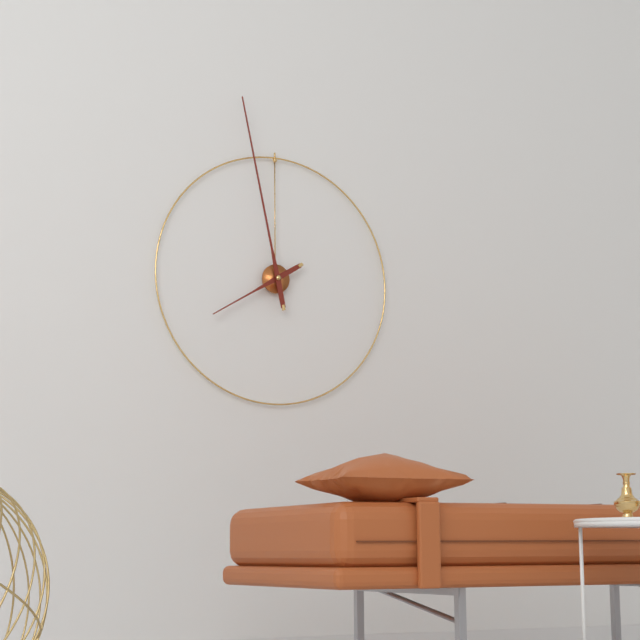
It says 7:58
